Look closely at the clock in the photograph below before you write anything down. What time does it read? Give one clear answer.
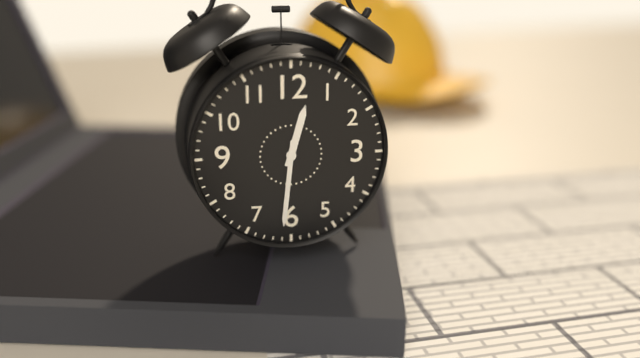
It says 12:31
